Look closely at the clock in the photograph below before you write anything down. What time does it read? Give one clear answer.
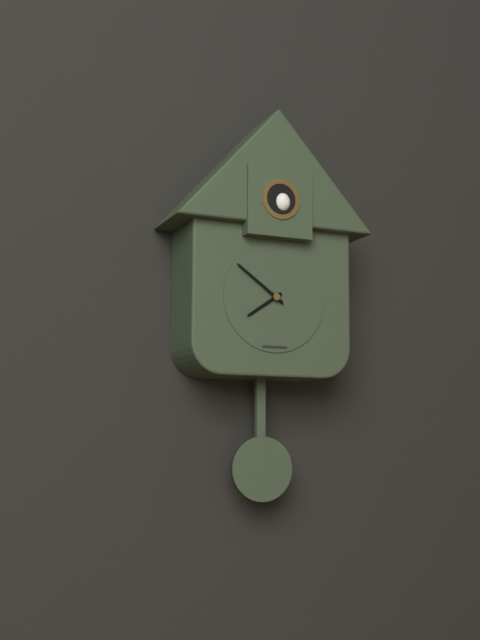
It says 7:51
